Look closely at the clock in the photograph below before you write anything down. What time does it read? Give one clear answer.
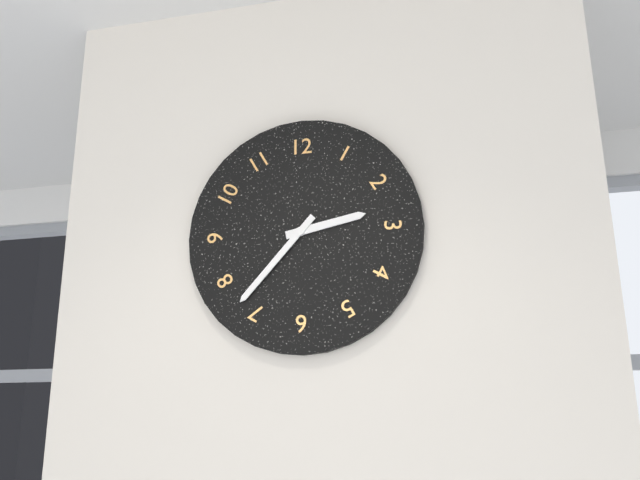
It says 2:37
